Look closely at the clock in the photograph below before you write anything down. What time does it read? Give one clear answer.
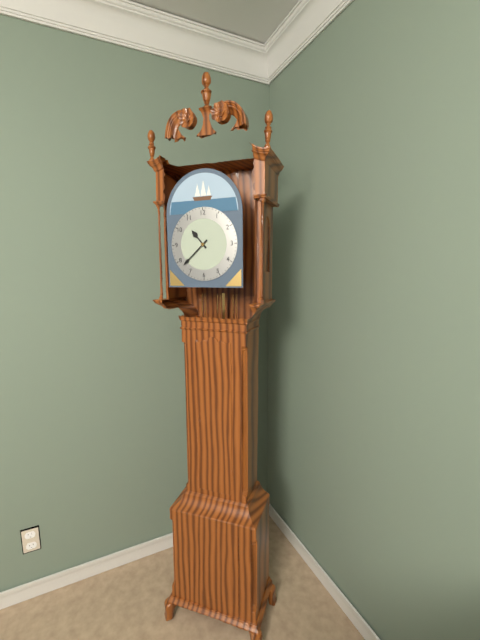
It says 10:38
